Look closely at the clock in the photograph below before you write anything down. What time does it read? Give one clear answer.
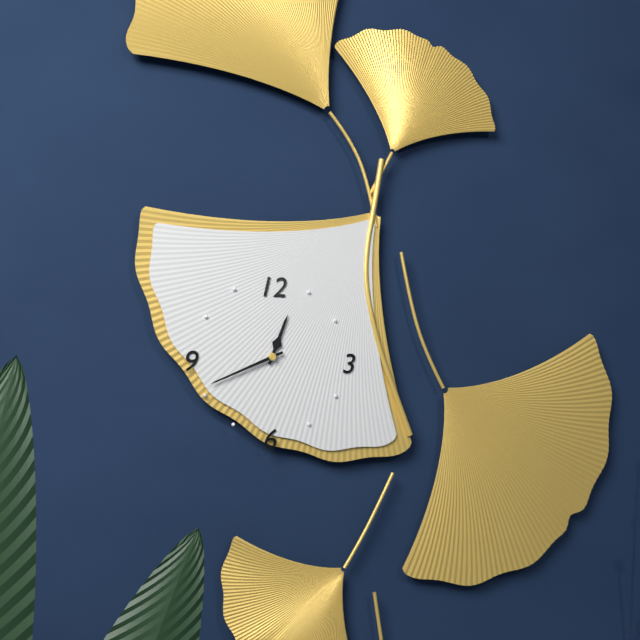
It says 12:41
